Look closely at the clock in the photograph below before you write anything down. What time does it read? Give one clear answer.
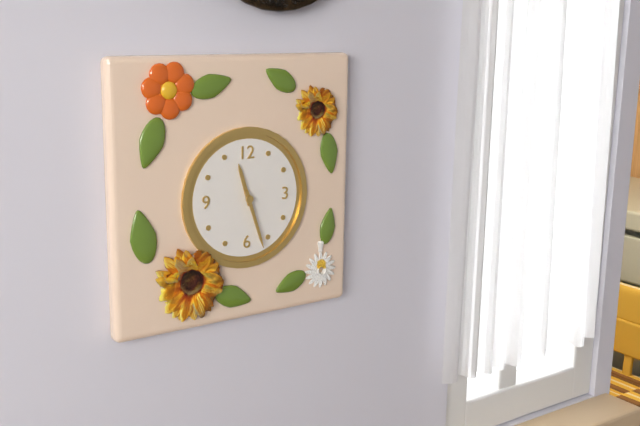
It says 11:27
